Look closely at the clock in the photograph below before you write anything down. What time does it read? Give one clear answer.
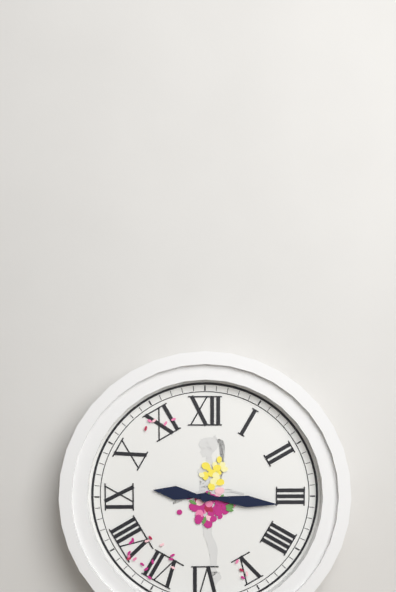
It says 9:16
